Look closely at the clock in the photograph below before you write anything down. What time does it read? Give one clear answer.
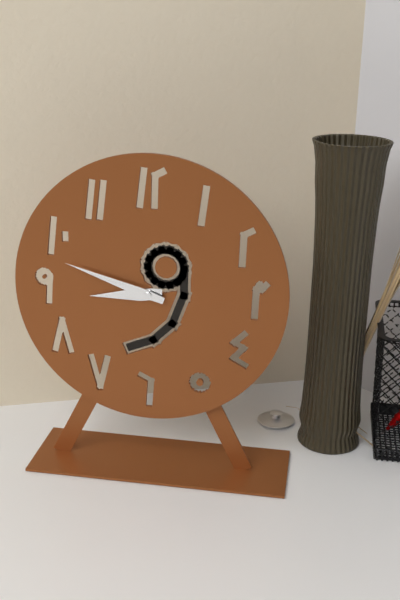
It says 8:48
